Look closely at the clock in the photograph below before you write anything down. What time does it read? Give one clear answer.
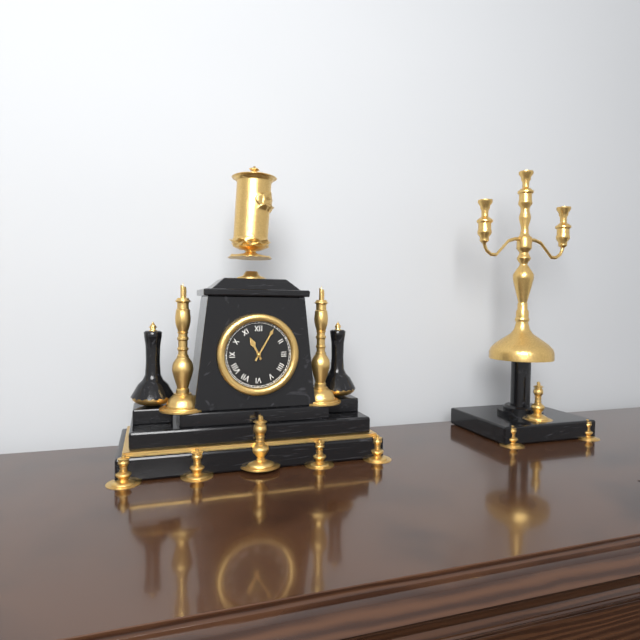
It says 11:05
